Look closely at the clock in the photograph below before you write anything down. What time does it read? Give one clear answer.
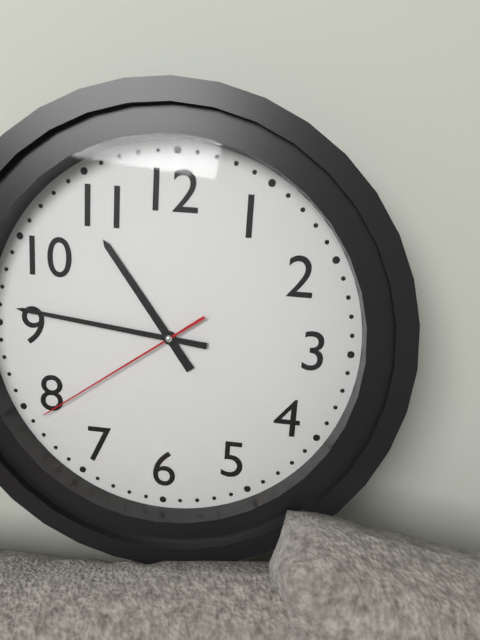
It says 10:46:39
